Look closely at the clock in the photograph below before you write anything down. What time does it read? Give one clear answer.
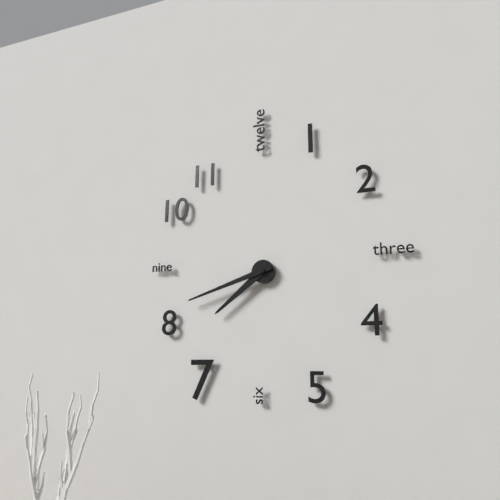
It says 7:42
